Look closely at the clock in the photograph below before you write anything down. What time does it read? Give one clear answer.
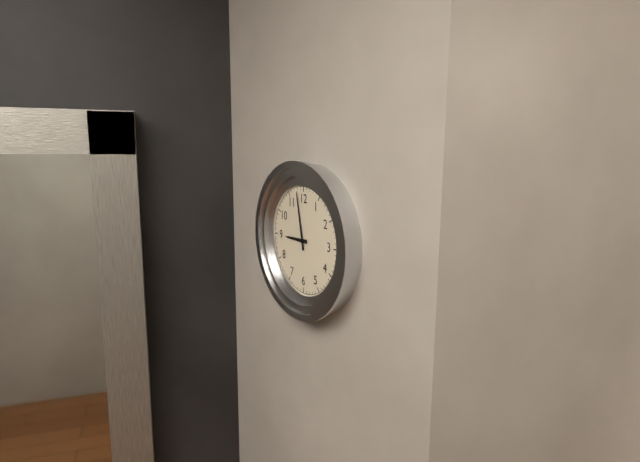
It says 8:58
